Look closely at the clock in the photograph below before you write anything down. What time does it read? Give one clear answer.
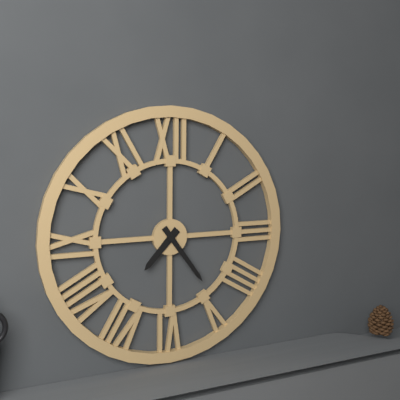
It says 7:24
